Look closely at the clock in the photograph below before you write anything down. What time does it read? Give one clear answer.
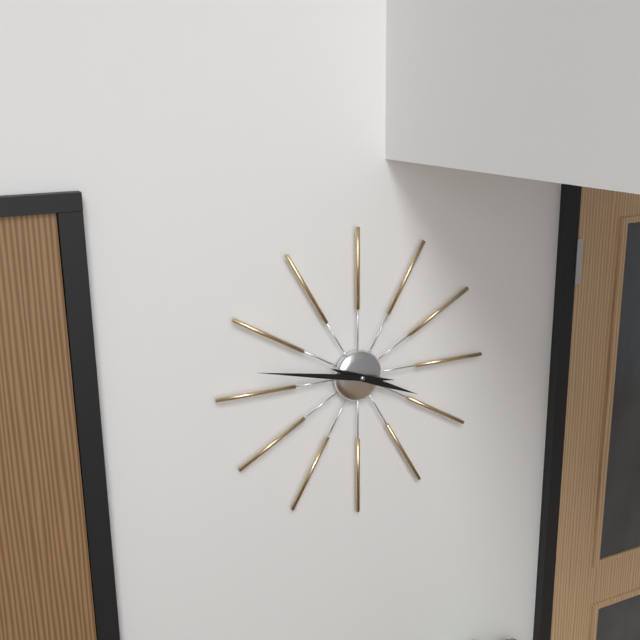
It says 3:47
